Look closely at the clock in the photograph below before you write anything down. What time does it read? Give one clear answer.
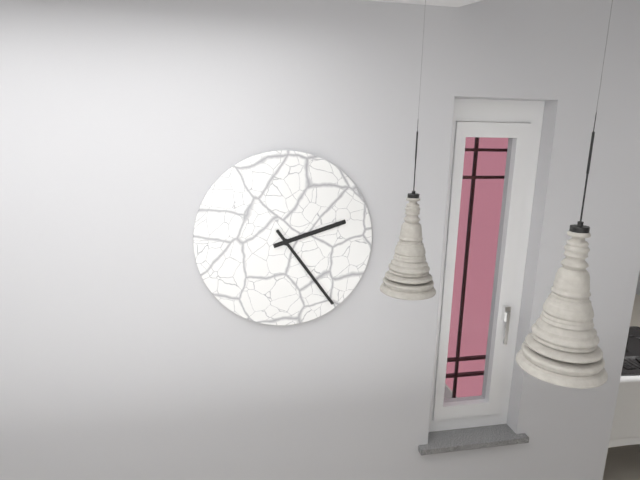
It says 2:24
